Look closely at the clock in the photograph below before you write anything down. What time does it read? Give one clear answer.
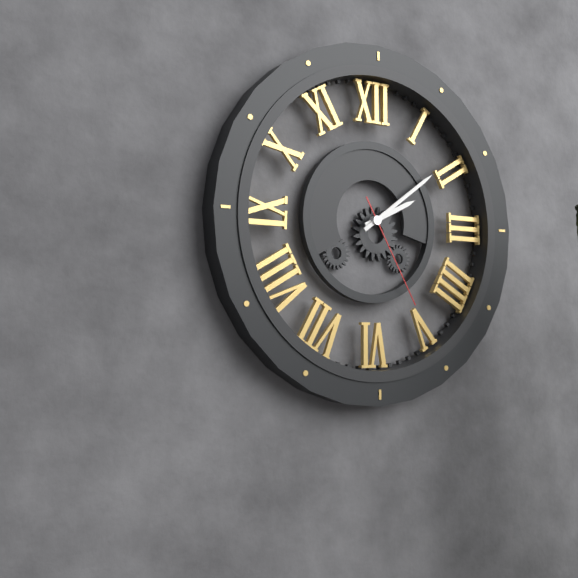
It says 2:09:25
